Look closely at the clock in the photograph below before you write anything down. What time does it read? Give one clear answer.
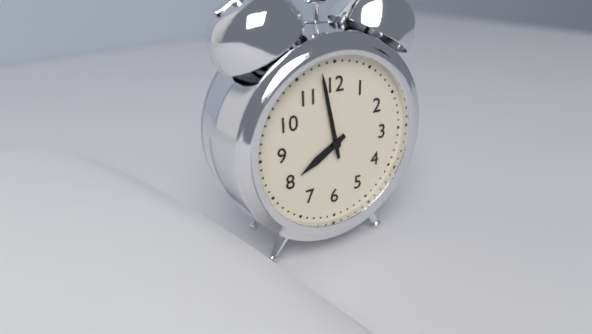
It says 7:58
